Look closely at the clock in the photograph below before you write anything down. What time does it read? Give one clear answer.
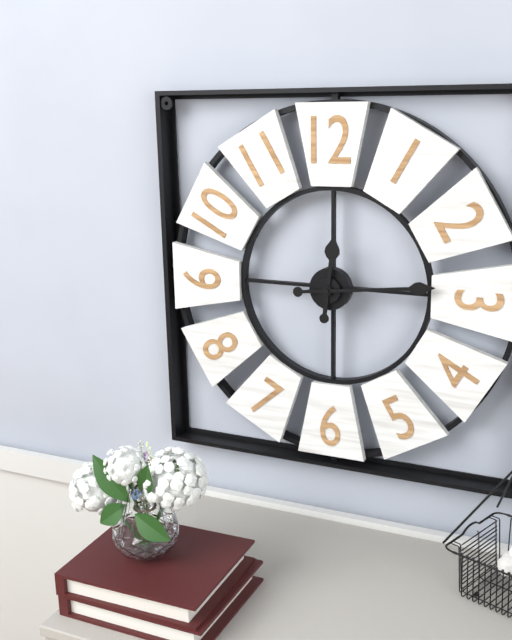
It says 12:14
